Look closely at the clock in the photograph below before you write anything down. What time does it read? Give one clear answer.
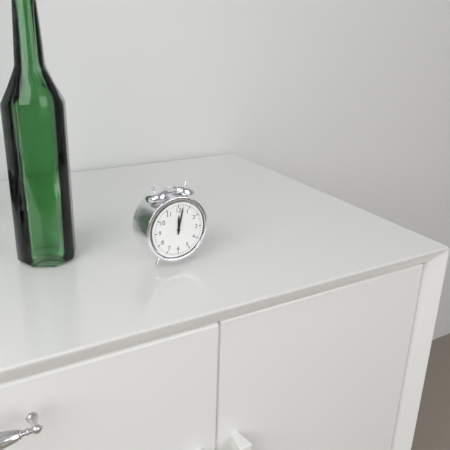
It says 12:02
